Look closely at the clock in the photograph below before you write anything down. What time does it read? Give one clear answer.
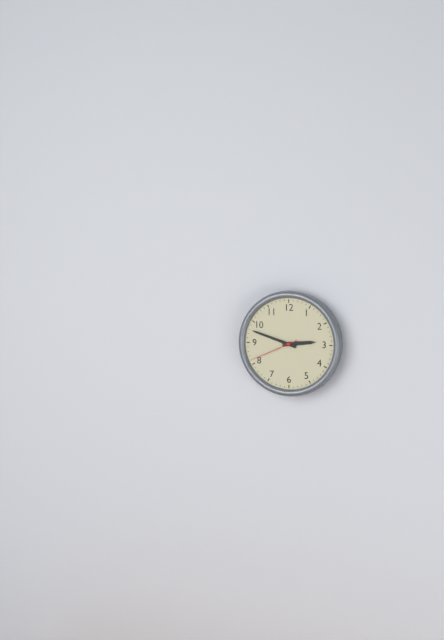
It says 2:48
